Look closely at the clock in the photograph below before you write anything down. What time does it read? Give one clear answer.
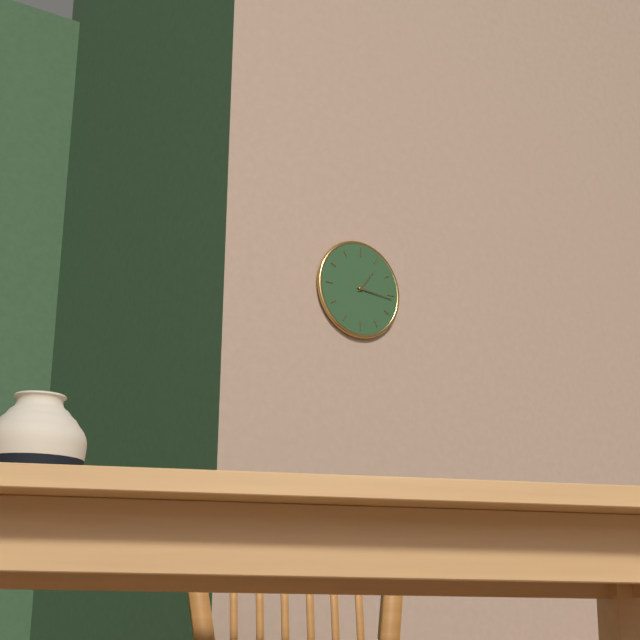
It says 1:16
